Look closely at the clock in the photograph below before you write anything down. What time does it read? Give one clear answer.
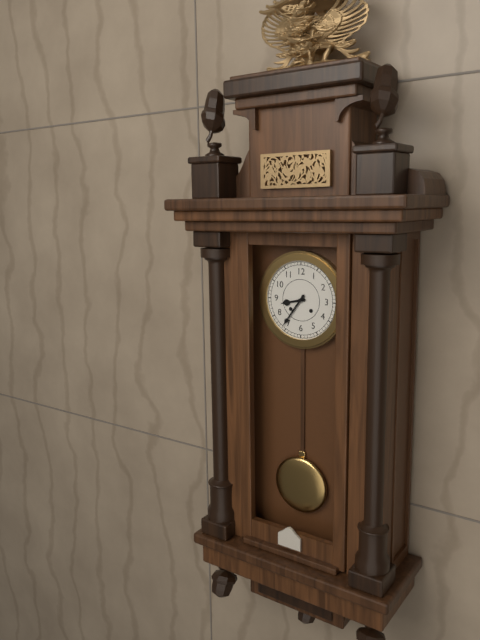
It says 8:36
